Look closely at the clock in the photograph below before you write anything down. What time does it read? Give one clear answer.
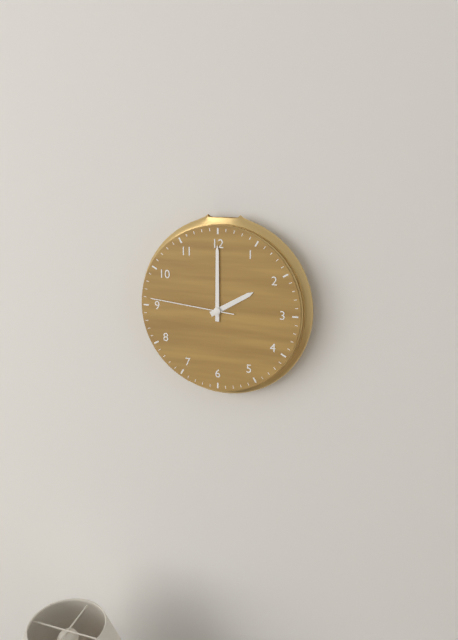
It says 2:00:46
